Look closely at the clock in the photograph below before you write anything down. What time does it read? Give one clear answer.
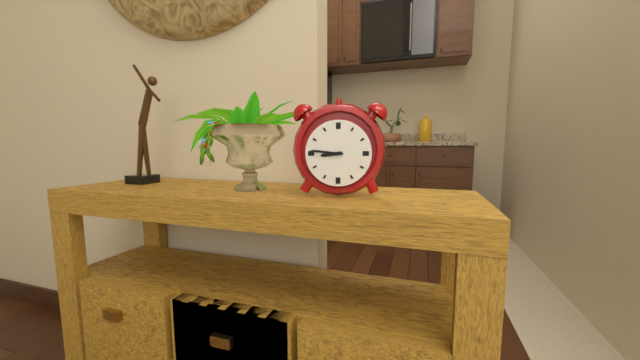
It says 8:46
